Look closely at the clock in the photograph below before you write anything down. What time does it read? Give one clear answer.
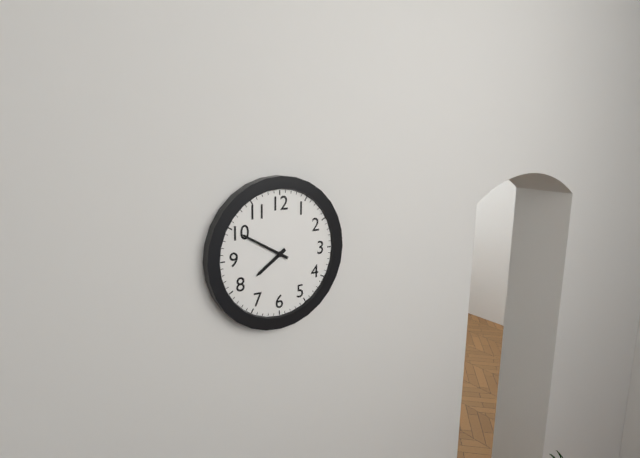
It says 7:50
